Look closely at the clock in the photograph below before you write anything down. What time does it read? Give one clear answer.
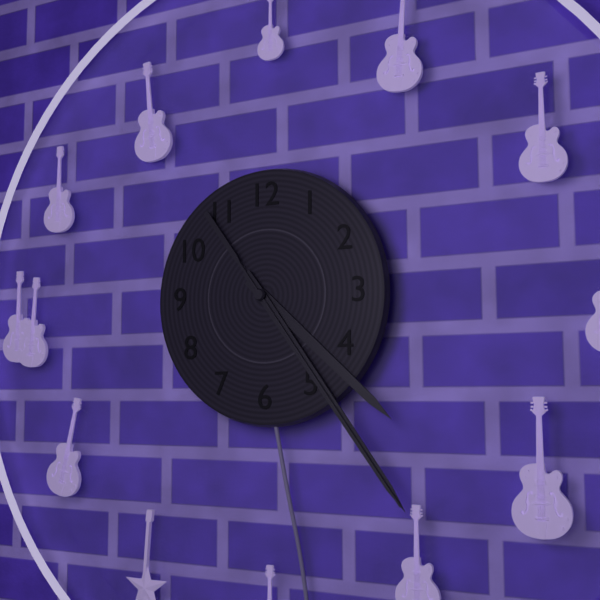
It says 4:24:24
